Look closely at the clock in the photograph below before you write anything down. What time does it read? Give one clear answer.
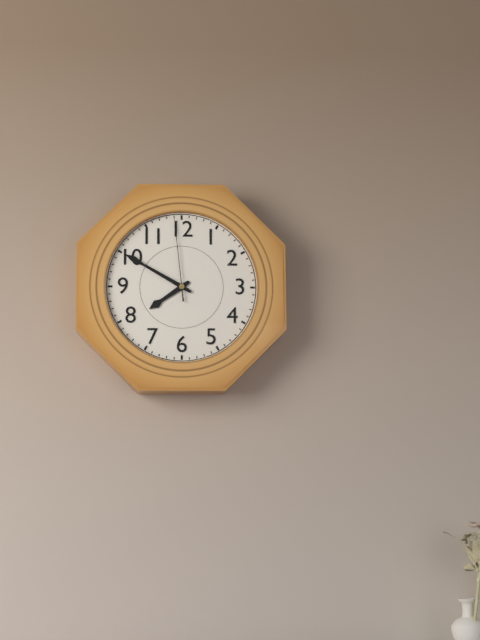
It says 7:50:59
